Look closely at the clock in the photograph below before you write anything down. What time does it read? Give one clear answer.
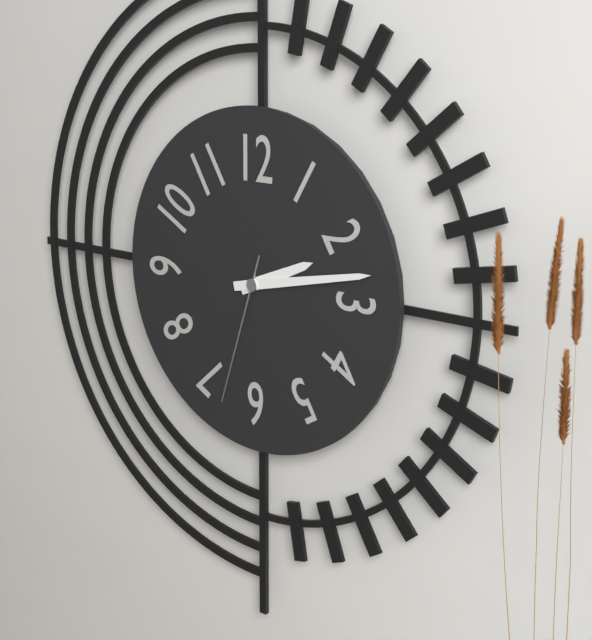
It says 2:13:33
